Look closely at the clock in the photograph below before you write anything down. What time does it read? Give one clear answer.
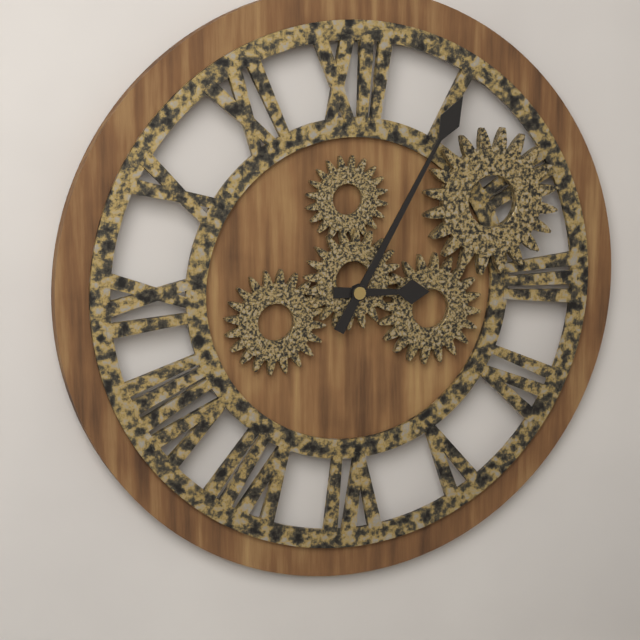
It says 3:05
